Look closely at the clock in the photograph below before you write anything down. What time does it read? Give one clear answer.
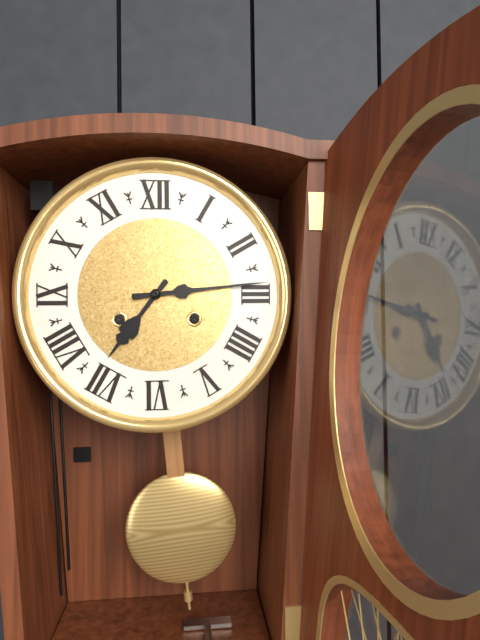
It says 7:14
